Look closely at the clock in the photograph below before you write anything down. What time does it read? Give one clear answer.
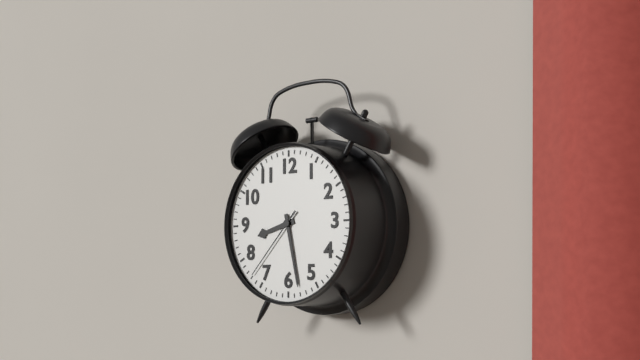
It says 8:28:37
